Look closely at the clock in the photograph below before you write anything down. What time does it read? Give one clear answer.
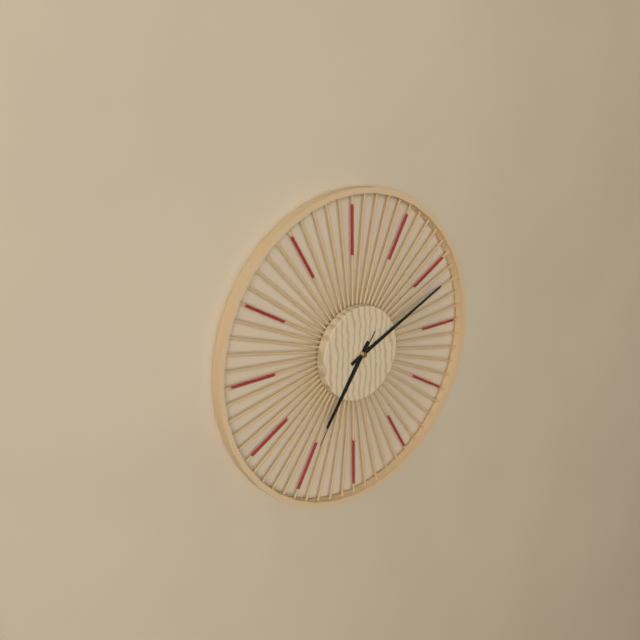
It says 7:11:36
